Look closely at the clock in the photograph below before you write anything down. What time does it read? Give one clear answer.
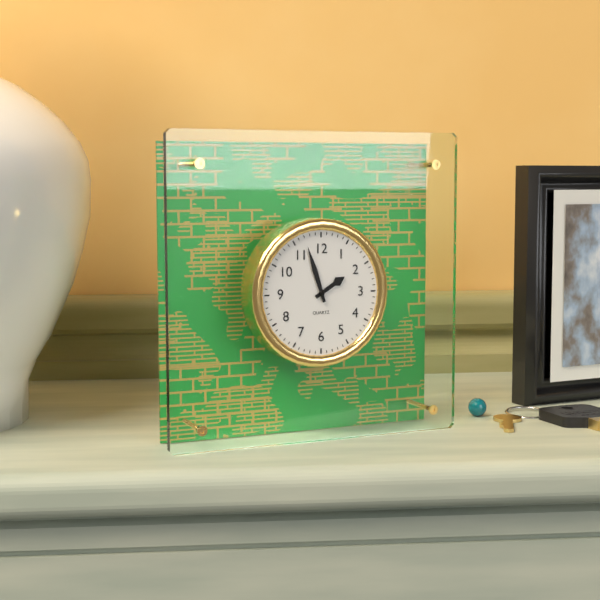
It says 1:57
